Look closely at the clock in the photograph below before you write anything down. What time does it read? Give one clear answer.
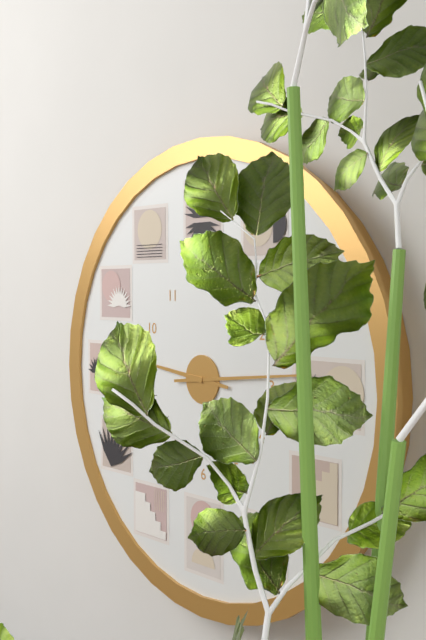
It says 9:14
